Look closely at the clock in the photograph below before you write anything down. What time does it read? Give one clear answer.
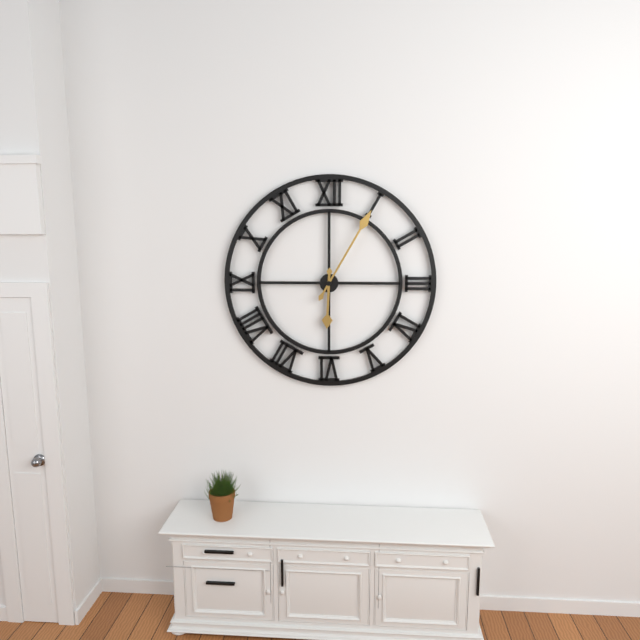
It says 6:05
